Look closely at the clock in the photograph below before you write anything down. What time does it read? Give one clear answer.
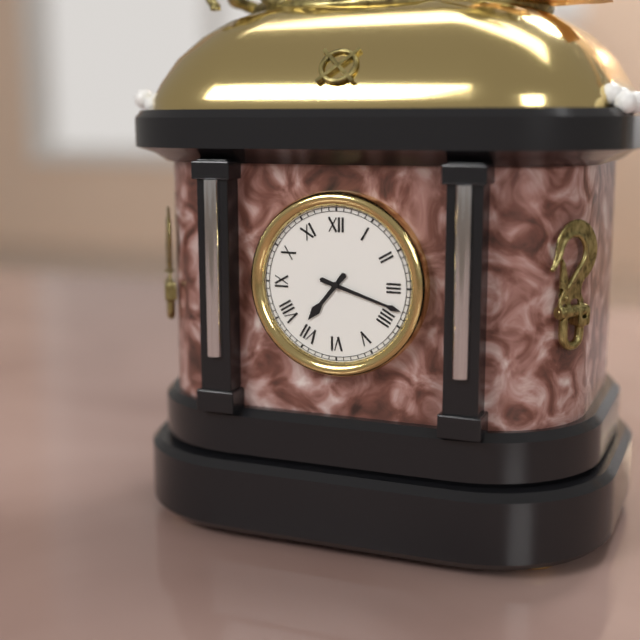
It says 7:18
